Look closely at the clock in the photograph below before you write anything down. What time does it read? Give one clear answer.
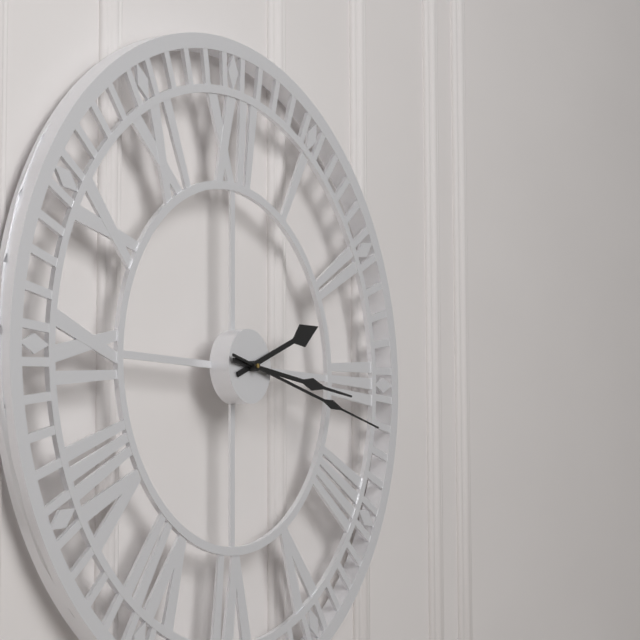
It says 2:16:17
